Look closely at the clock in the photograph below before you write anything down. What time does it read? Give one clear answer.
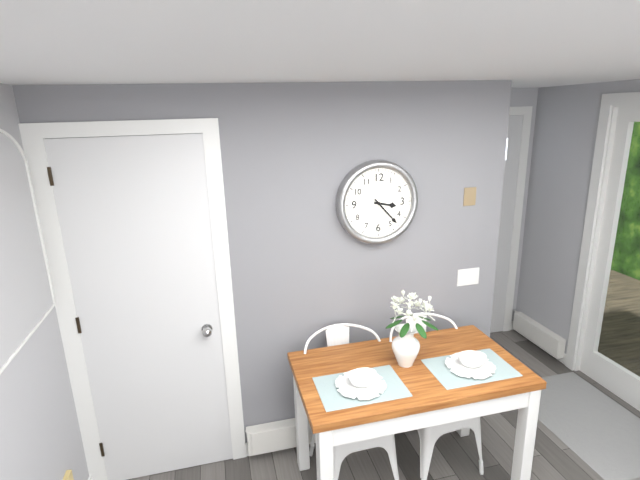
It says 3:23
